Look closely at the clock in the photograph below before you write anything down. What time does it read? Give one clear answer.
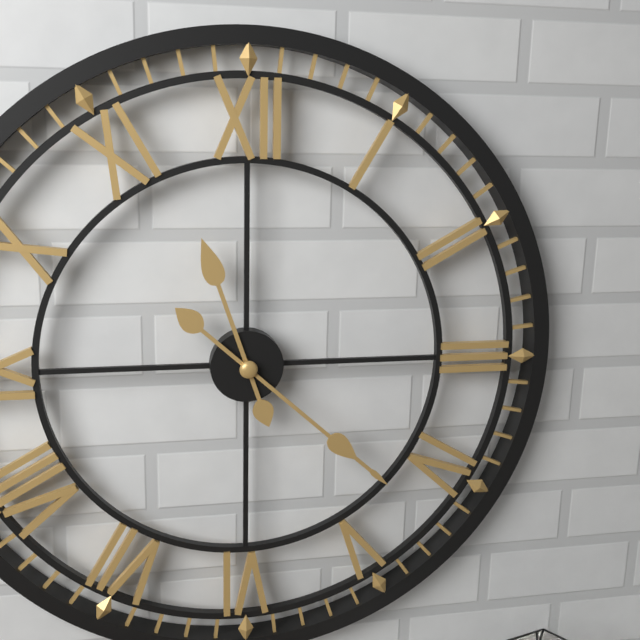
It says 11:22
